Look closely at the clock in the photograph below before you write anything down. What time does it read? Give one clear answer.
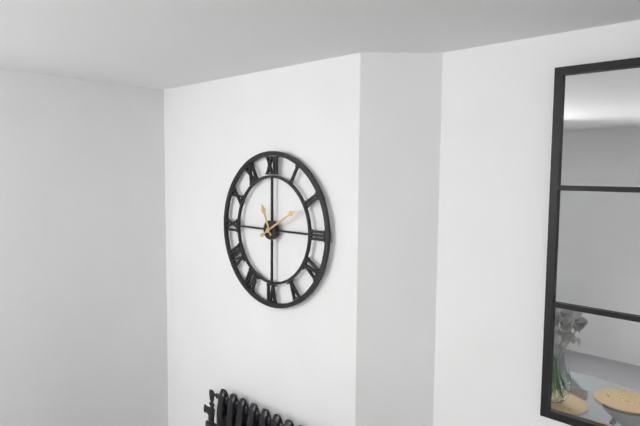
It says 11:10
